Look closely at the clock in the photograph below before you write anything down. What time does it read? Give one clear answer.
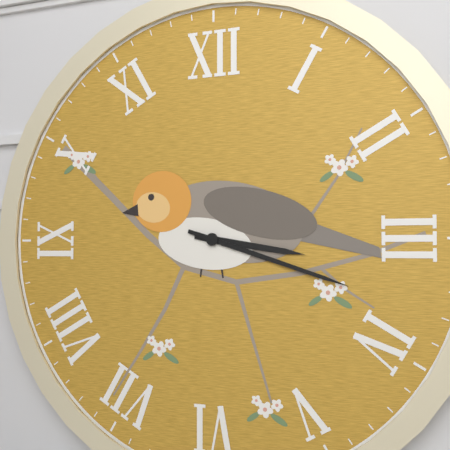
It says 3:18
